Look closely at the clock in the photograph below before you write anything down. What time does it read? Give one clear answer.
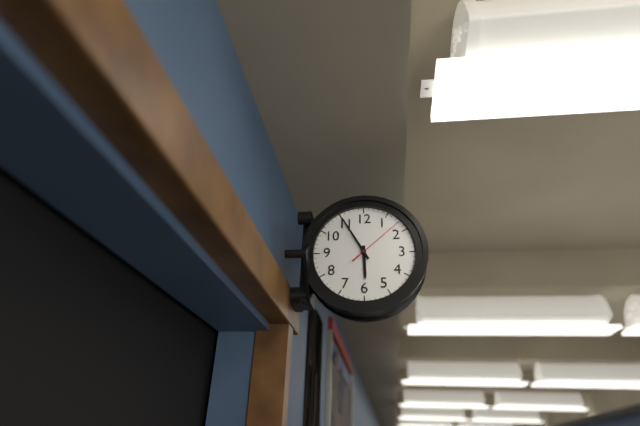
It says 5:55:08
